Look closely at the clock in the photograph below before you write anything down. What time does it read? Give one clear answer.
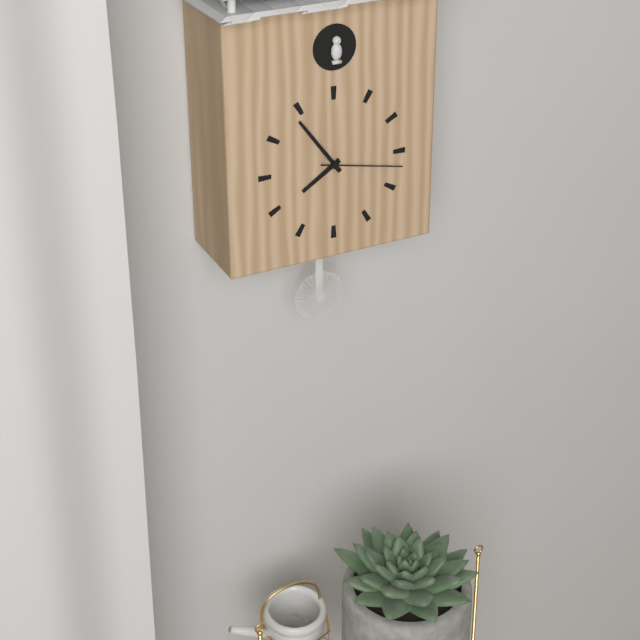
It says 7:54:17
